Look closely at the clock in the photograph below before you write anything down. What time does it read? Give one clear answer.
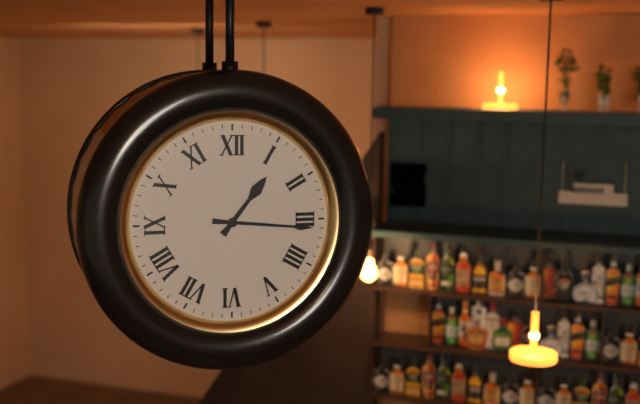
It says 1:16
